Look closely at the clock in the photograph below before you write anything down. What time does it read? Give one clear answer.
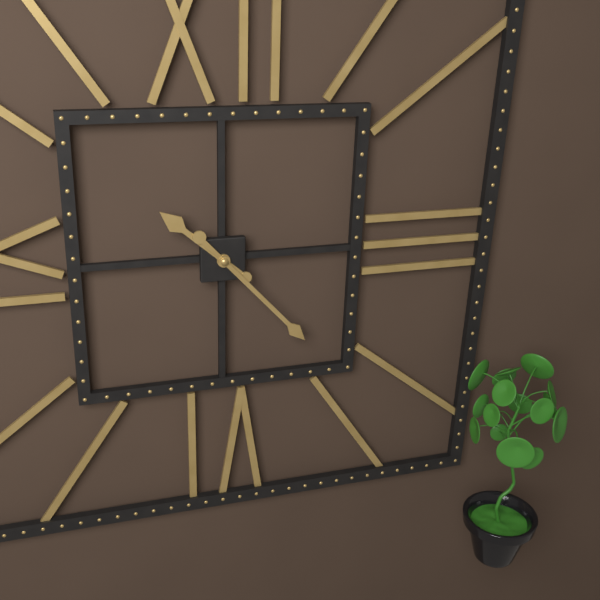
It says 10:23
